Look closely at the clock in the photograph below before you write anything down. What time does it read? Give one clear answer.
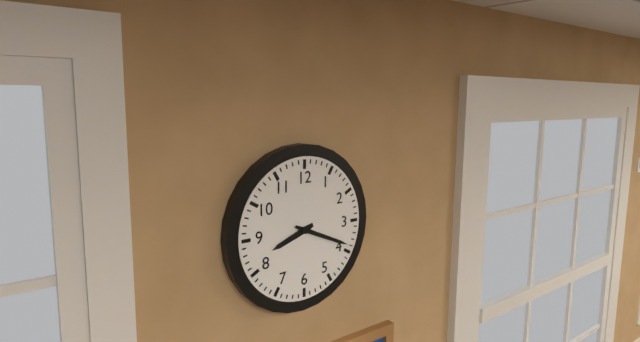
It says 8:19
